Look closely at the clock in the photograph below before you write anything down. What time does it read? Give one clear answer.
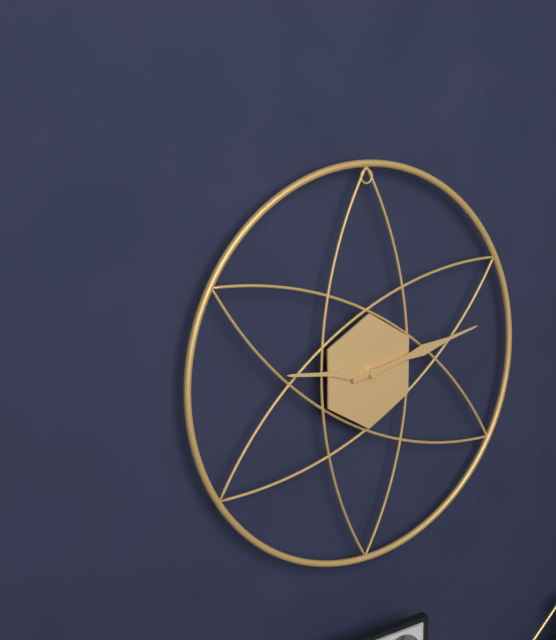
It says 9:13
